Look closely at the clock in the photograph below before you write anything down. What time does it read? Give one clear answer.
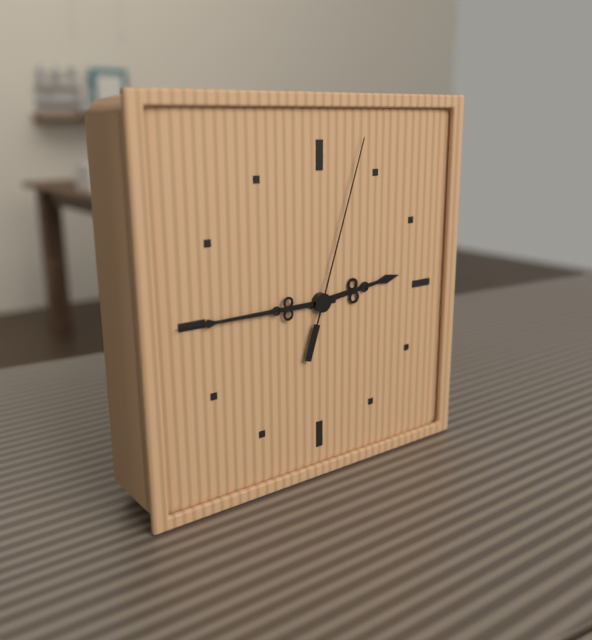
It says 2:45:03
